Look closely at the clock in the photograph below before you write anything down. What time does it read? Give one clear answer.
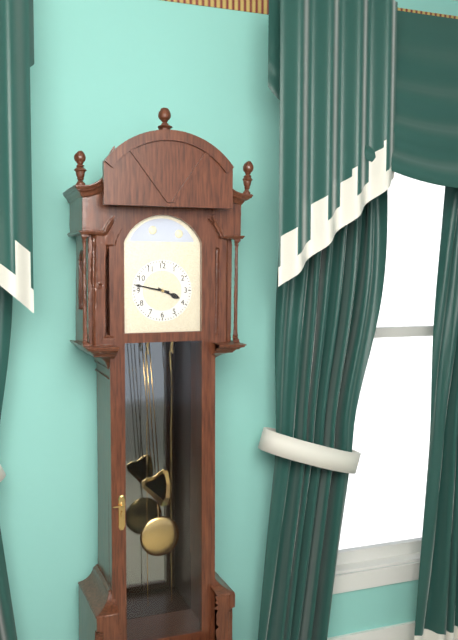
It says 3:47
